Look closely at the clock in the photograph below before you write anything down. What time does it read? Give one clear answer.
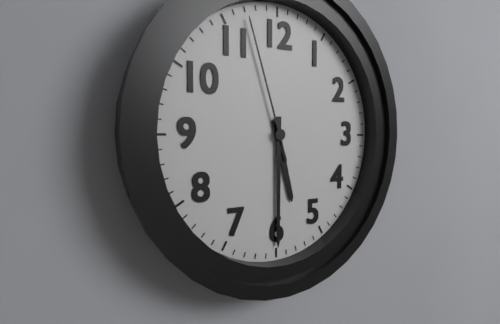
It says 5:30:57
